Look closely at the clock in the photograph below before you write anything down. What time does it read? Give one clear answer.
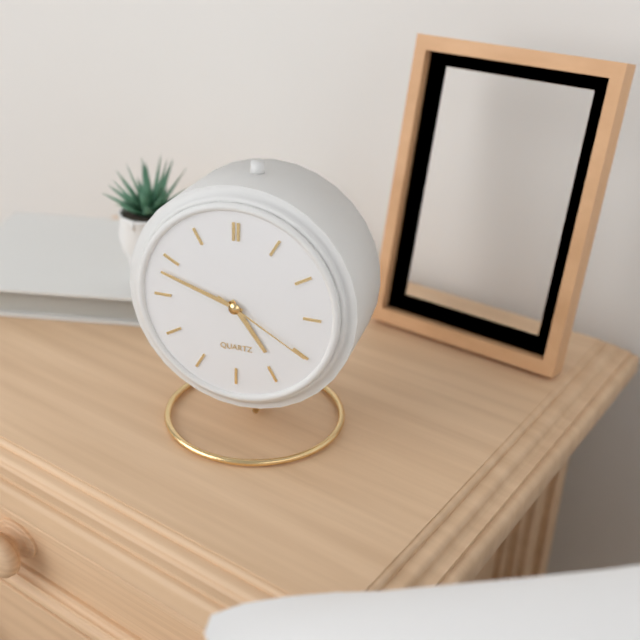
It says 4:48:20
